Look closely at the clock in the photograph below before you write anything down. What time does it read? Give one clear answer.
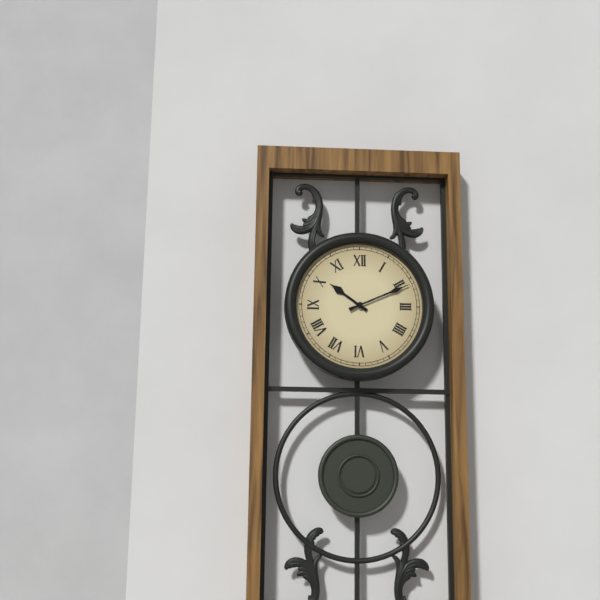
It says 10:11
